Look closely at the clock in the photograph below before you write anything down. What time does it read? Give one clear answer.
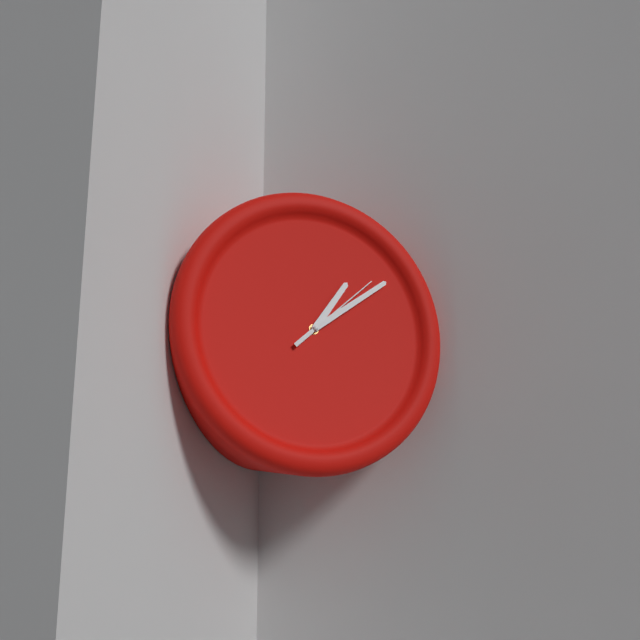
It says 1:09:08
